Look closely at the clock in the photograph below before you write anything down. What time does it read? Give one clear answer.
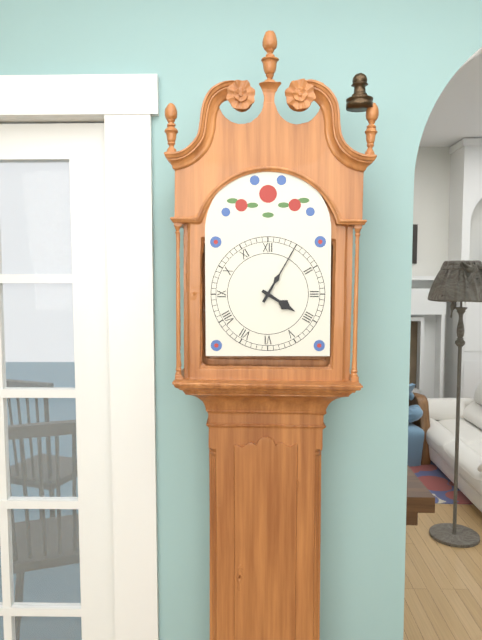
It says 4:05
